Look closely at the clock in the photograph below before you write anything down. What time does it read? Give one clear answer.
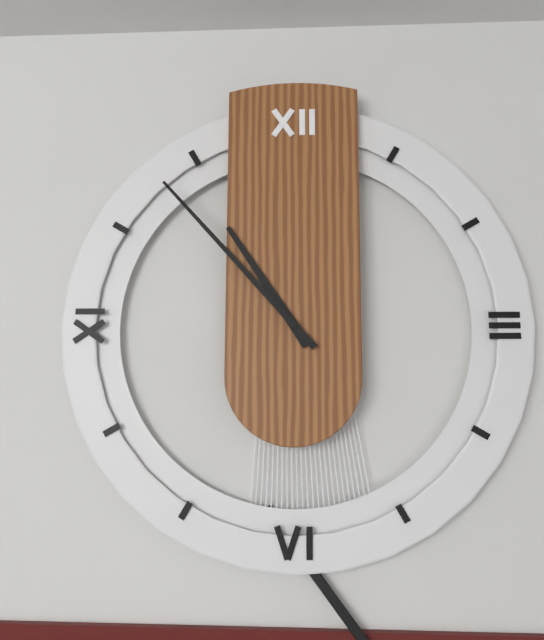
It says 10:53
